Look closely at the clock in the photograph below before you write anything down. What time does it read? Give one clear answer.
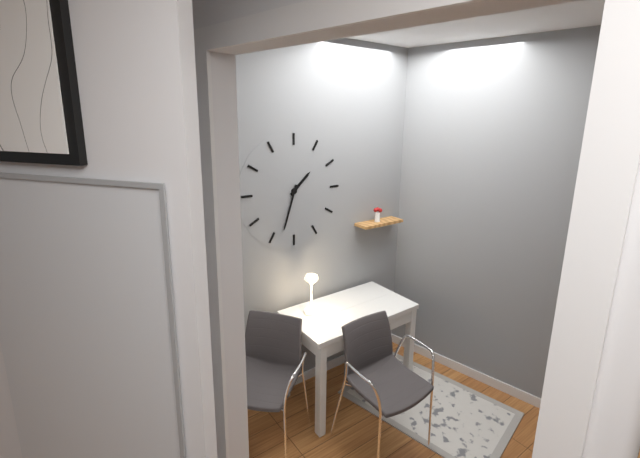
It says 1:33
